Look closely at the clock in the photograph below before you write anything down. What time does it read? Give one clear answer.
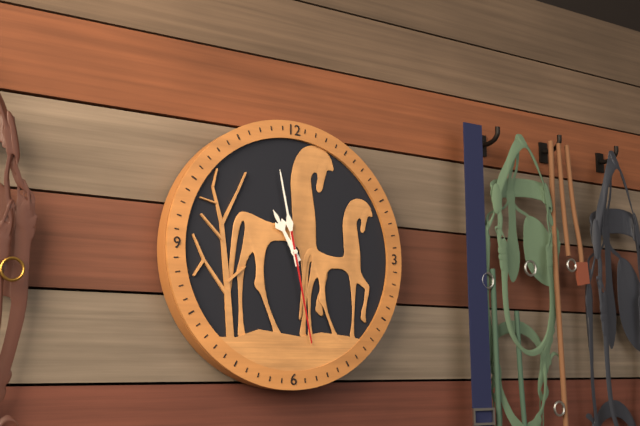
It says 10:58:28
